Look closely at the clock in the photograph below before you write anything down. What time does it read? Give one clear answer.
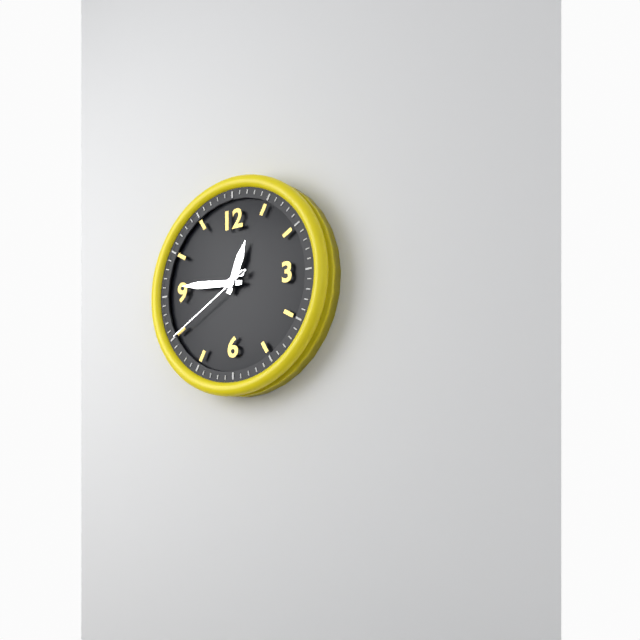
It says 12:46:40
